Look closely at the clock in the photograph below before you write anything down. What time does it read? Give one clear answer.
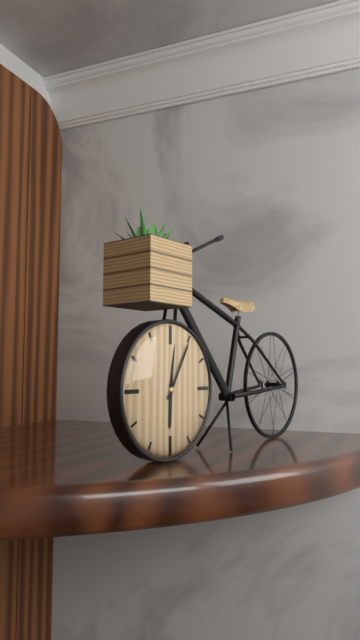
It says 6:05
